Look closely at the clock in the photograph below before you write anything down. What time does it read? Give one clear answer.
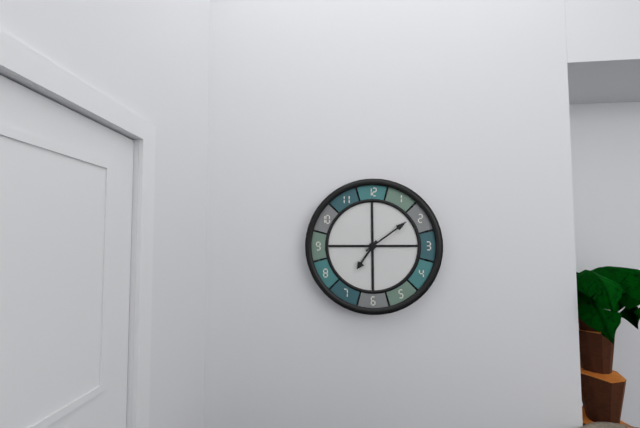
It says 7:09
